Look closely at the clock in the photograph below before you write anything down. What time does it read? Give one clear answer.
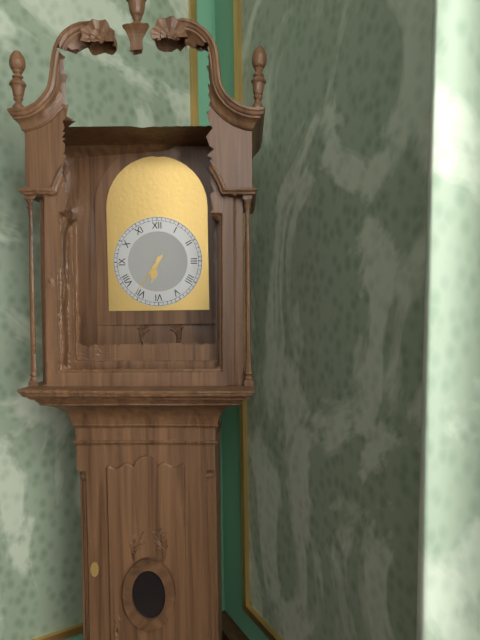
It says 6:36
